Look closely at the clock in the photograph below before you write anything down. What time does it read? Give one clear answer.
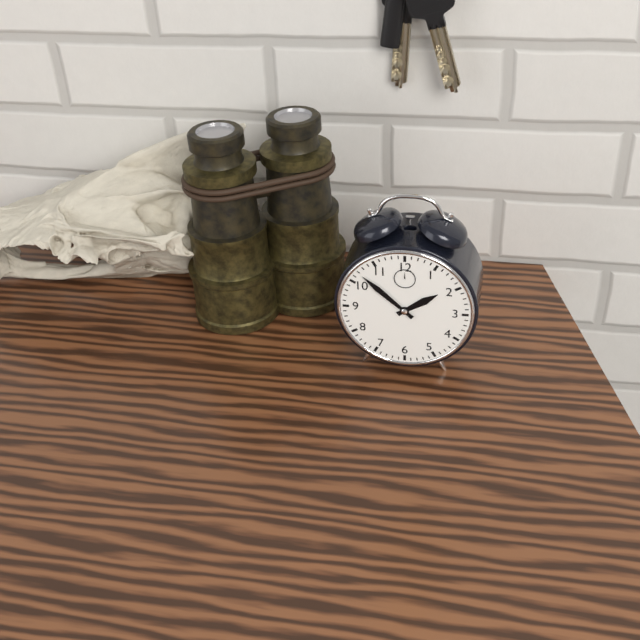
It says 1:52
